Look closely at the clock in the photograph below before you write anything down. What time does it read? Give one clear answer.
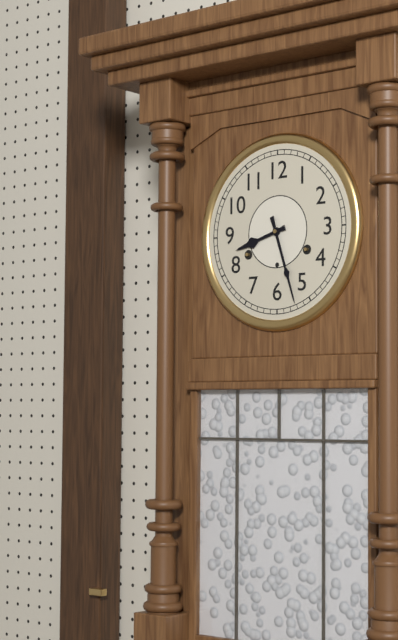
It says 8:27
